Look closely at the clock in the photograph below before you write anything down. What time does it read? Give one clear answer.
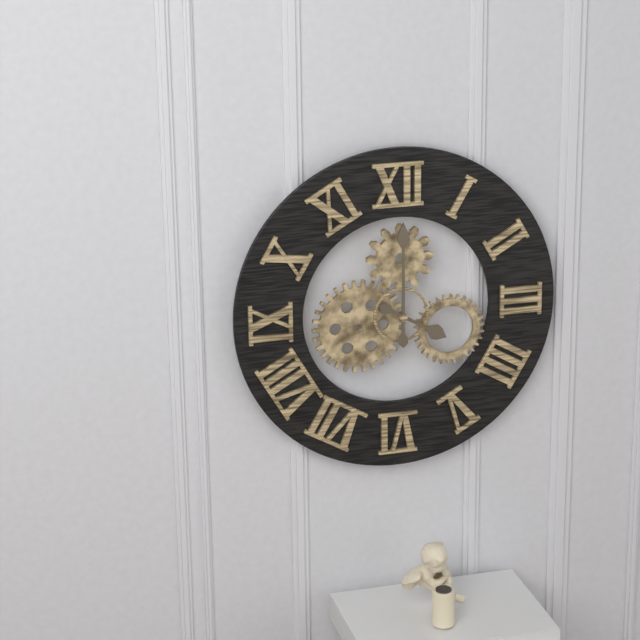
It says 4:00
